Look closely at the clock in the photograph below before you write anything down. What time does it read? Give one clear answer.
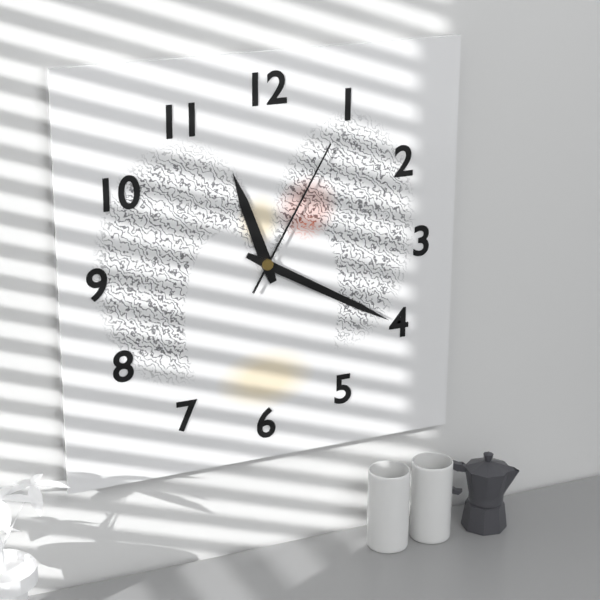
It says 11:20:05
